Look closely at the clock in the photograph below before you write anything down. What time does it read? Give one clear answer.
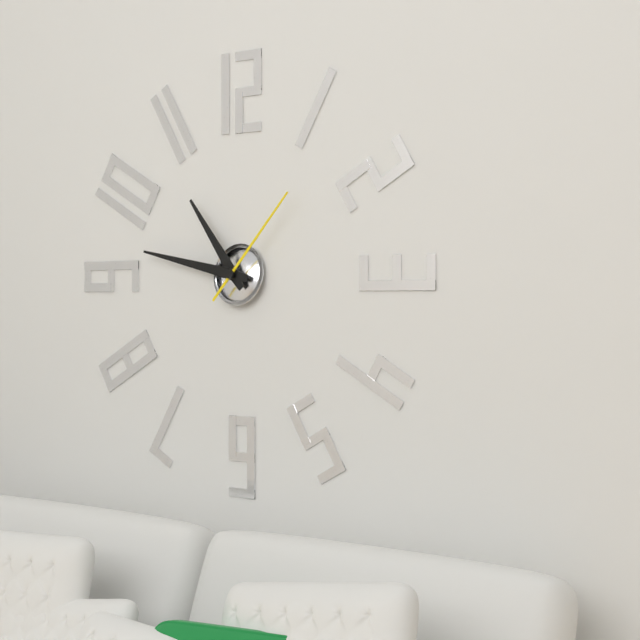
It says 10:47:07
